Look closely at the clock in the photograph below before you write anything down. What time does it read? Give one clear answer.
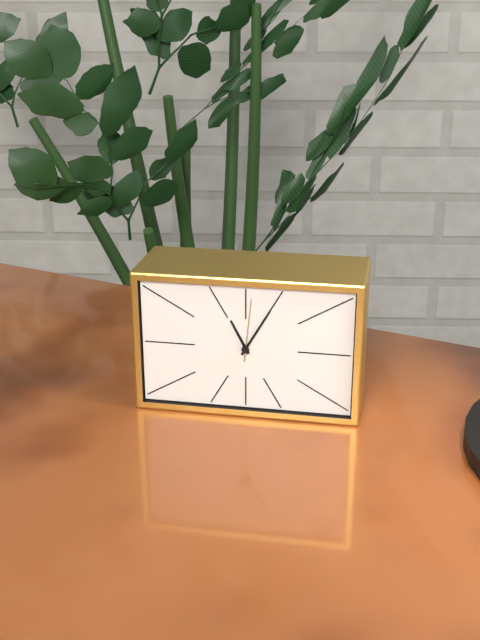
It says 11:05:01
